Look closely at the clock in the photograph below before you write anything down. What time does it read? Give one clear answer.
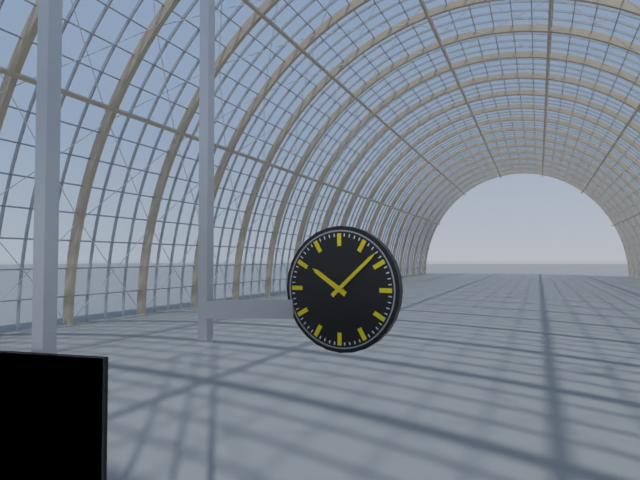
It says 10:08
